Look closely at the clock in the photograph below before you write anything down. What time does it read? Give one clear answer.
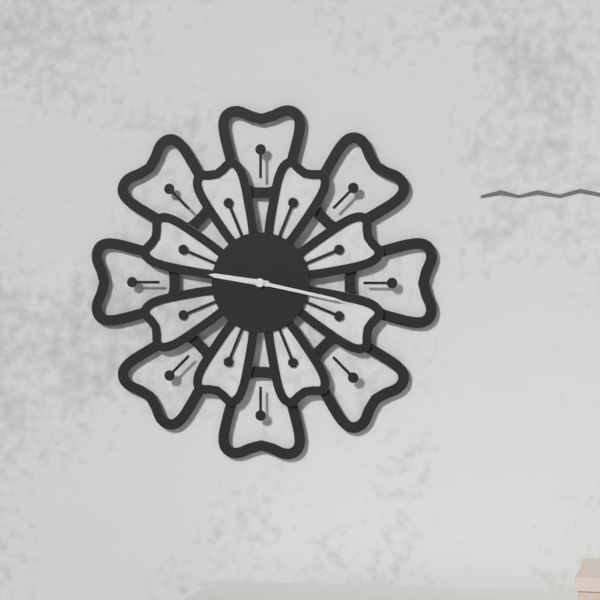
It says 9:17
